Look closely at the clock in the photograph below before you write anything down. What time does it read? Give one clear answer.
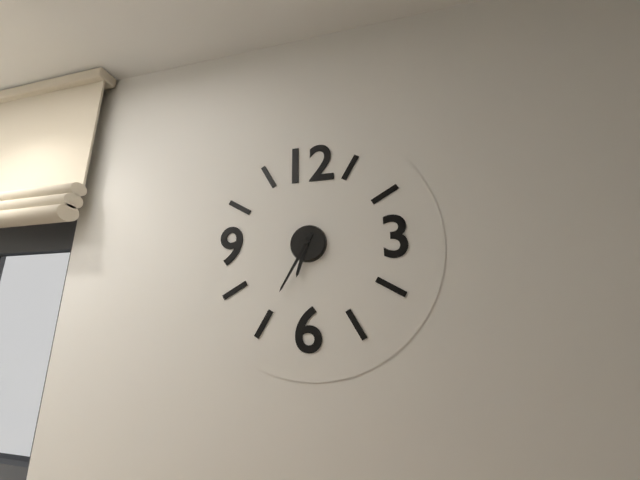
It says 6:35
